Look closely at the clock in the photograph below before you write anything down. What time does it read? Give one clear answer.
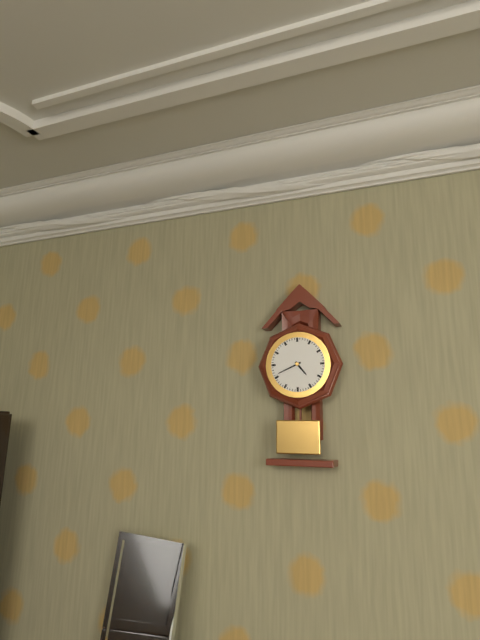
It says 4:41
